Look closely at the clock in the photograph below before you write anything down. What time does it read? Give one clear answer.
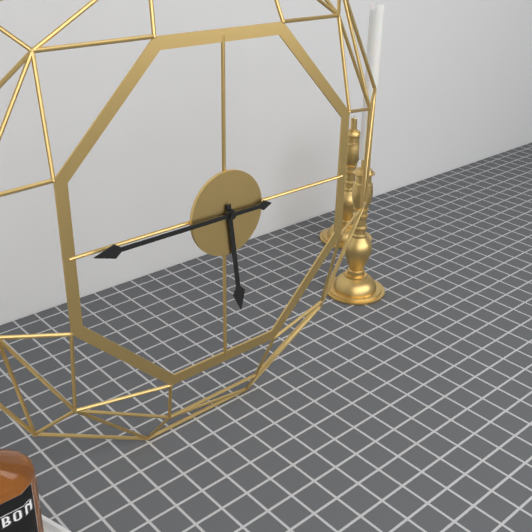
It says 5:45
